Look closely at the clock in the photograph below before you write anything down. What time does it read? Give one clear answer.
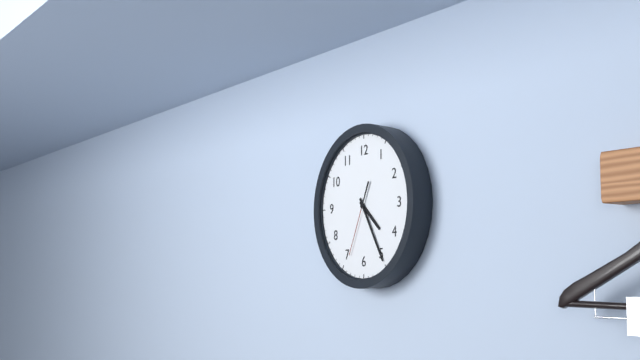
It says 4:25:34
